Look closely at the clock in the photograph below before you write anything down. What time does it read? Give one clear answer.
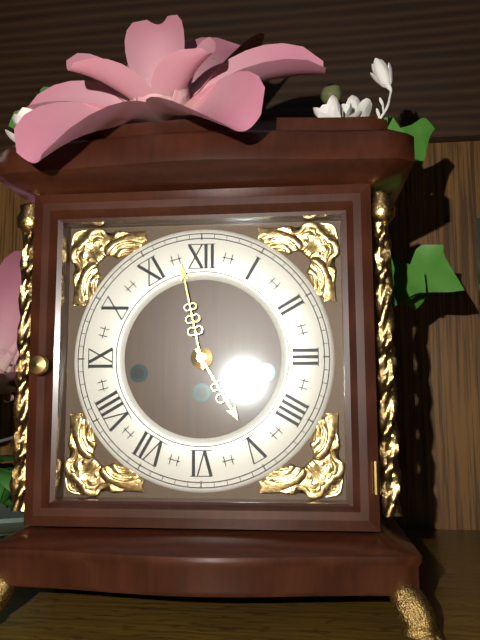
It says 4:58
